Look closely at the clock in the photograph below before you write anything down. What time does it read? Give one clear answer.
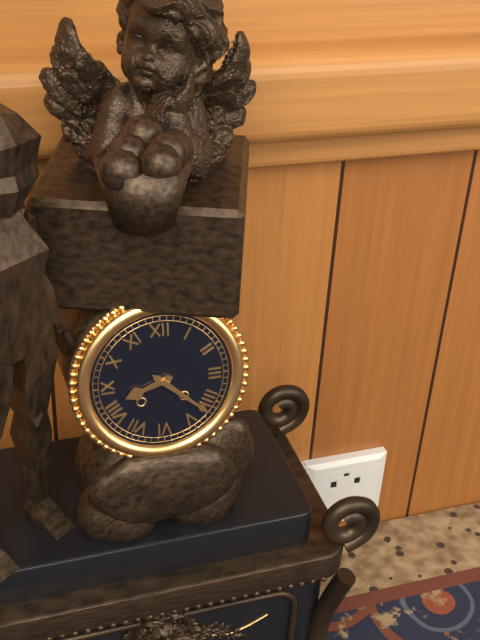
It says 8:22
